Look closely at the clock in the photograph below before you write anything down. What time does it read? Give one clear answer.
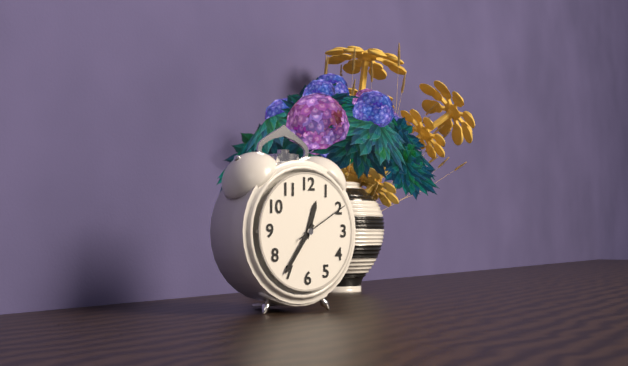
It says 12:36:10
